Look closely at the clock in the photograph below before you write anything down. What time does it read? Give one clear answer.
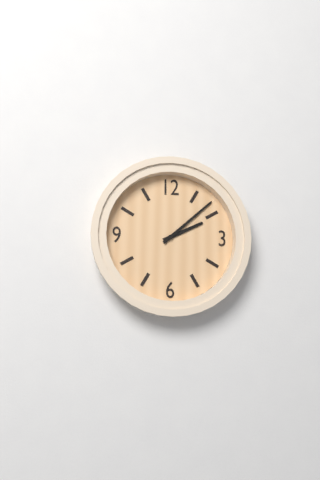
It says 2:08
